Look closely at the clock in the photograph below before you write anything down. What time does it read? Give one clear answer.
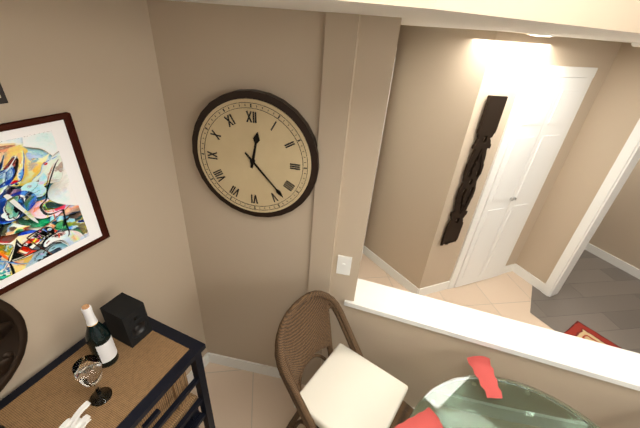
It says 12:23
